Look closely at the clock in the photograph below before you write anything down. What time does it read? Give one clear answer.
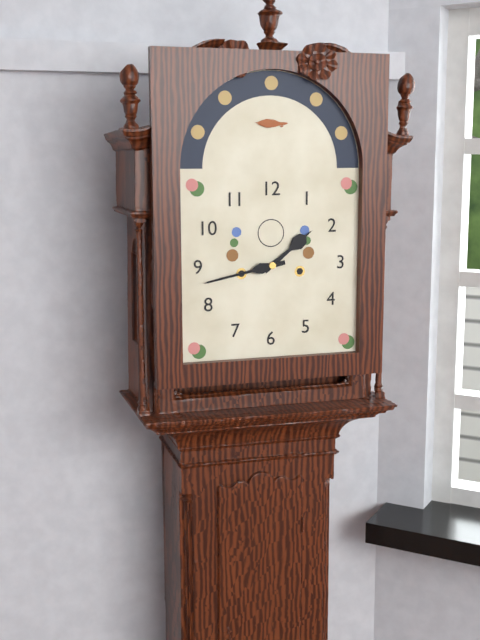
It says 1:43
